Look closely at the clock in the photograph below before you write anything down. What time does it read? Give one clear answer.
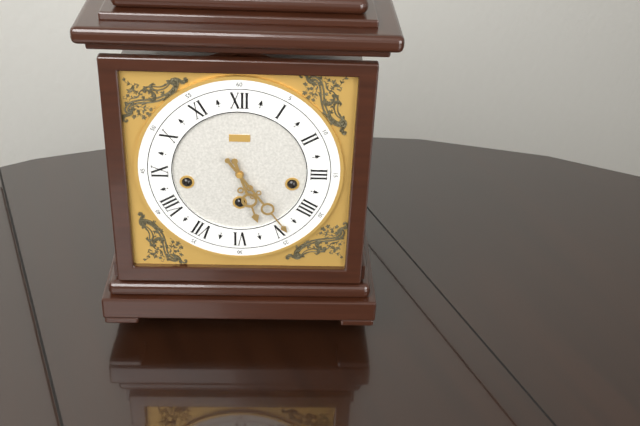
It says 5:24
